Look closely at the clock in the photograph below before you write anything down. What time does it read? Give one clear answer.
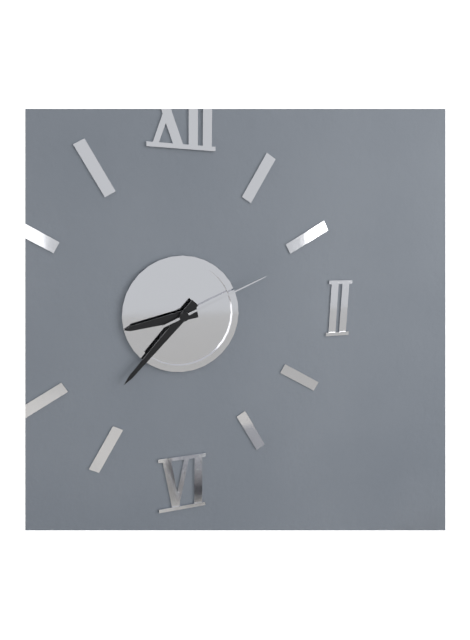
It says 8:37:11
